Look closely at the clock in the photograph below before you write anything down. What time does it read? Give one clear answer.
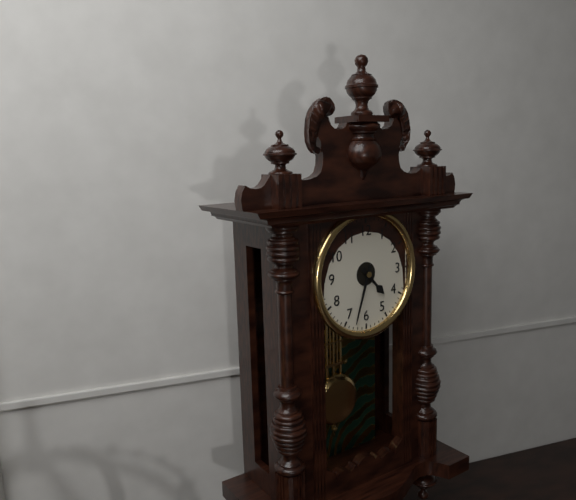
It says 4:33
